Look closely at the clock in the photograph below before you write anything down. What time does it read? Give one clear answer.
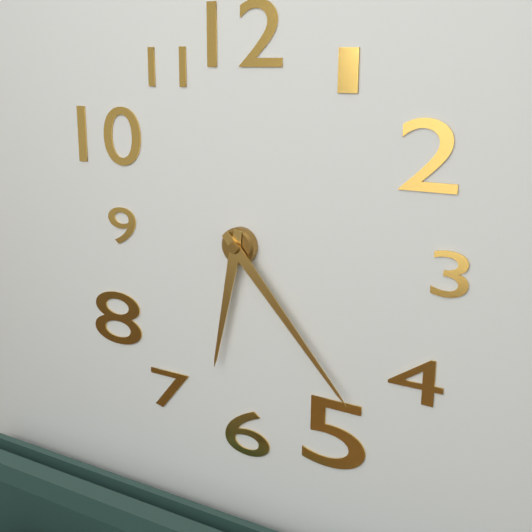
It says 6:23
